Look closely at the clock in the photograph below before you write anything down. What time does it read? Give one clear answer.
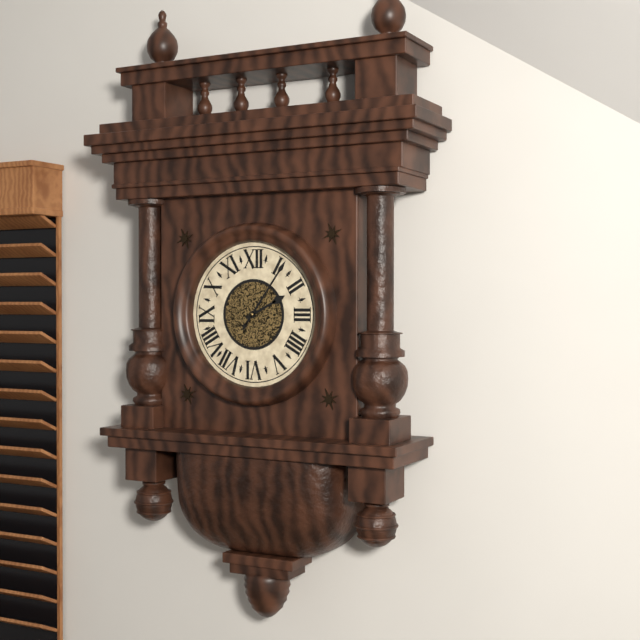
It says 2:06
